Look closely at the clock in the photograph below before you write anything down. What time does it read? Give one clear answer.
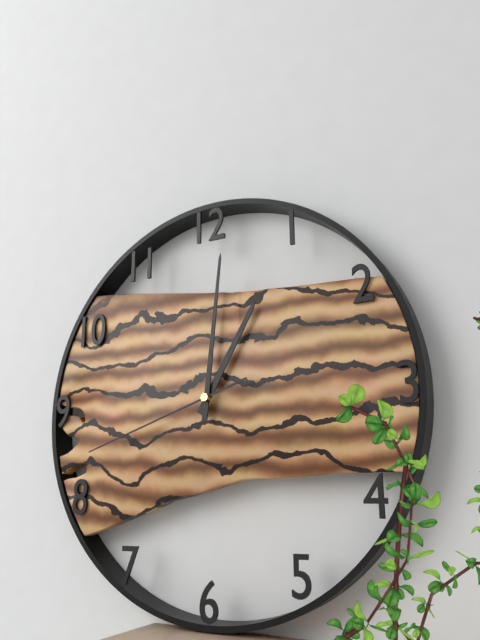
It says 1:01:42
